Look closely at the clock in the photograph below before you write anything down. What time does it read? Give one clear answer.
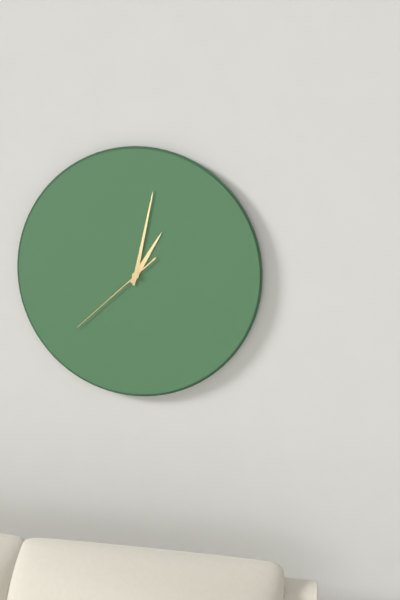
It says 1:02:38
